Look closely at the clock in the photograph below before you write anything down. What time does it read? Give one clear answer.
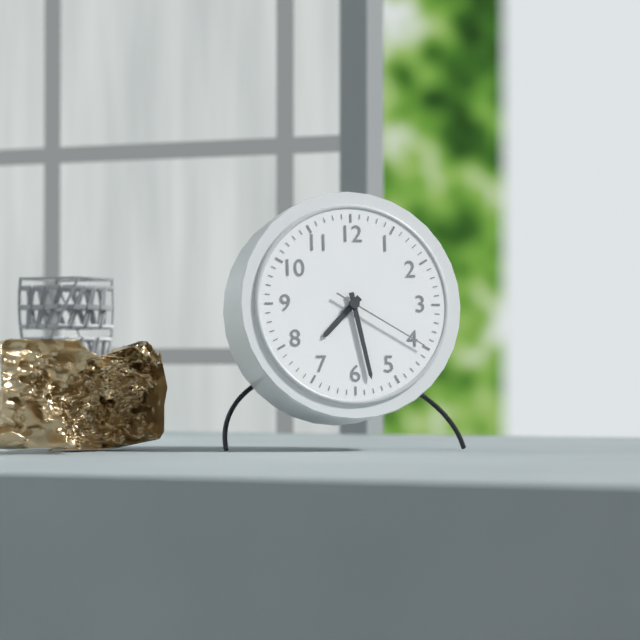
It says 7:28:20
